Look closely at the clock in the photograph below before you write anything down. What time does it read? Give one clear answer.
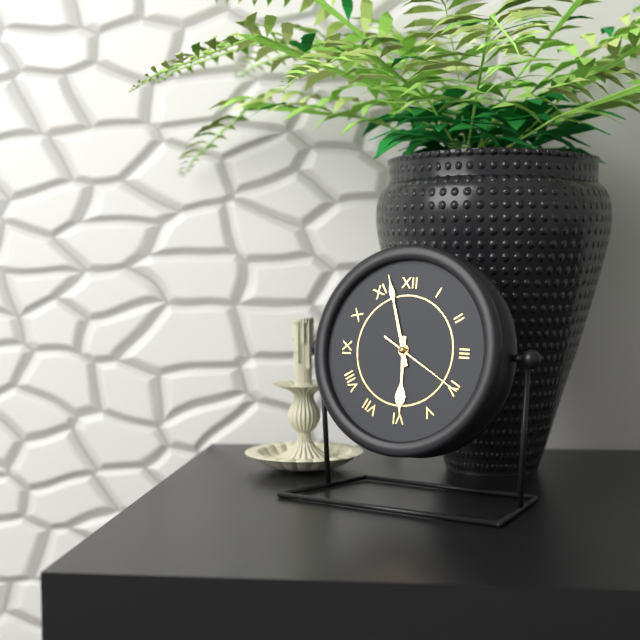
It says 5:57:20
